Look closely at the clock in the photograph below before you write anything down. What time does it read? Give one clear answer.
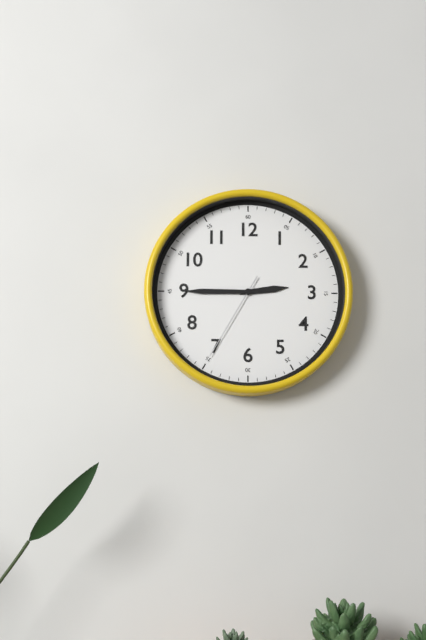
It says 2:45:35
